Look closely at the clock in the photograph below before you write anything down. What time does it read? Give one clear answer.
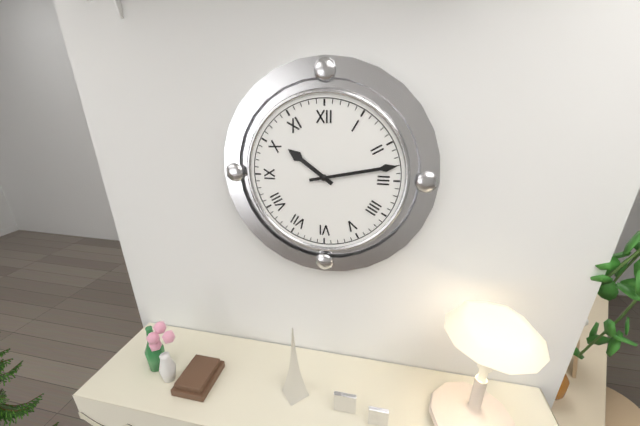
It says 10:13
